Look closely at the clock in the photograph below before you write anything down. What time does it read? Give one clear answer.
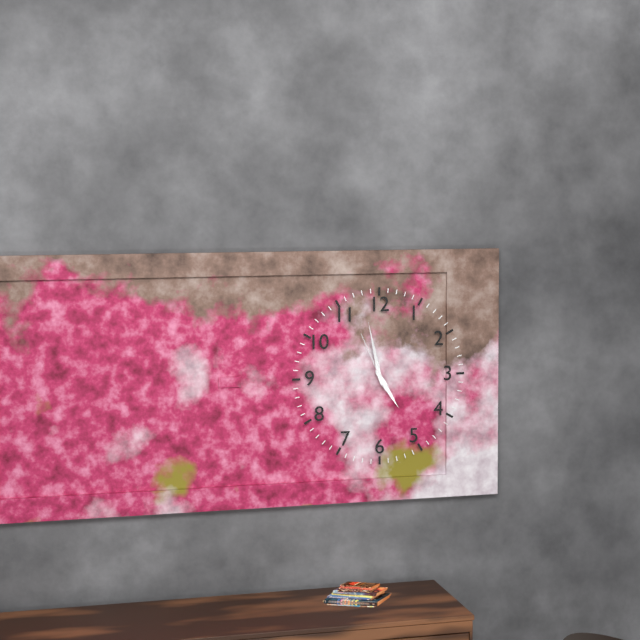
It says 4:58:56
